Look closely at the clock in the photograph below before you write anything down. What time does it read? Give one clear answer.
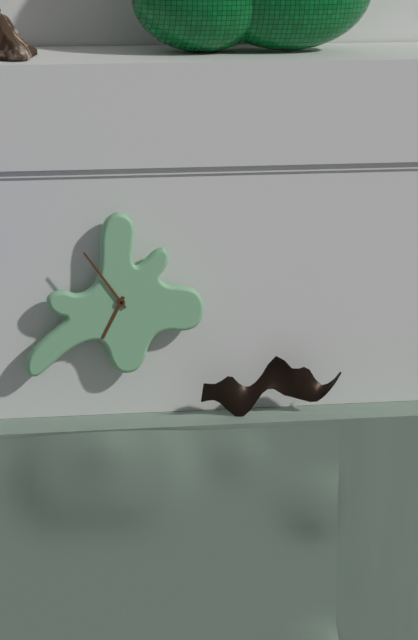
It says 6:54
